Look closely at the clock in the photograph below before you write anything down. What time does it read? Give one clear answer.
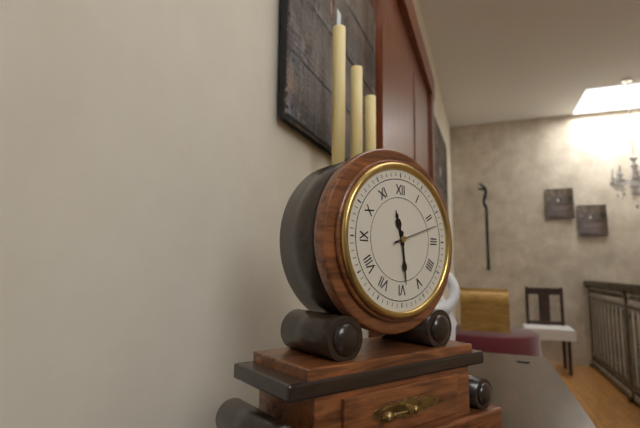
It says 11:29
